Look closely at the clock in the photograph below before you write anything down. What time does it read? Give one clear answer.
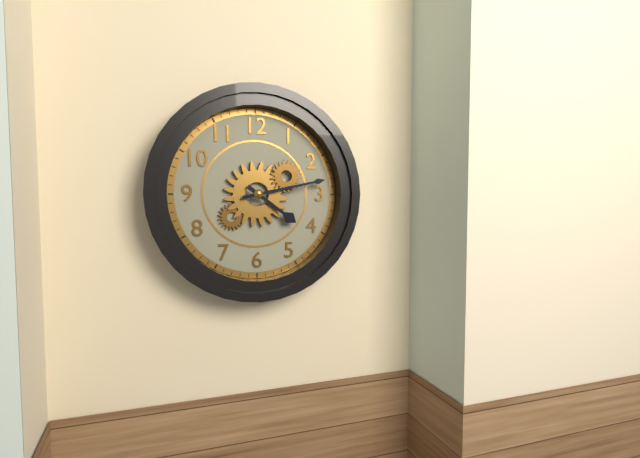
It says 4:13
